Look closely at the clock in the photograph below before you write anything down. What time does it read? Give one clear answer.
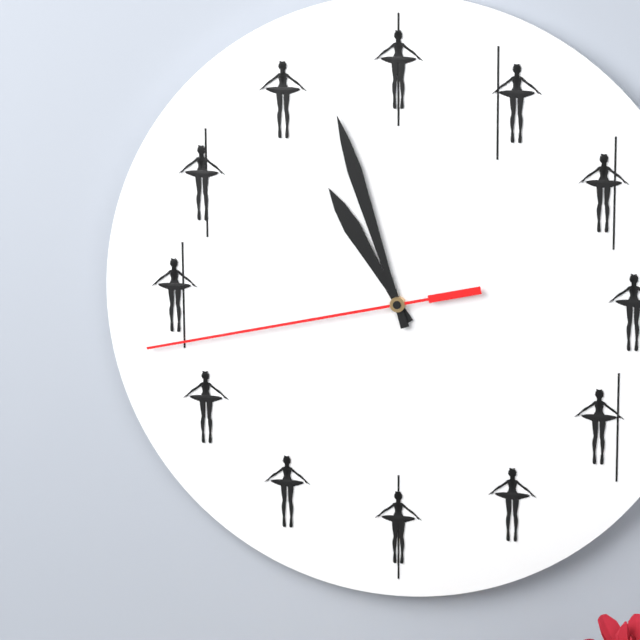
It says 10:57:43
